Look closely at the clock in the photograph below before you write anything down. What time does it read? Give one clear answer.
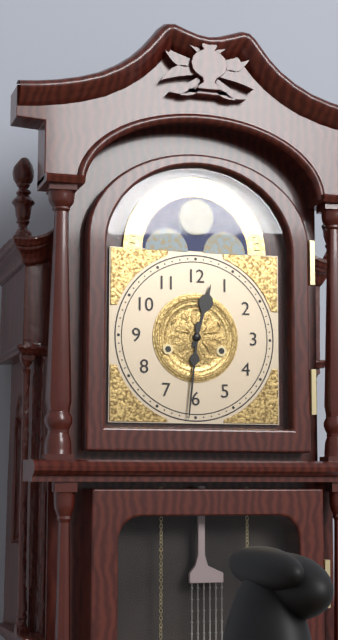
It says 12:31
